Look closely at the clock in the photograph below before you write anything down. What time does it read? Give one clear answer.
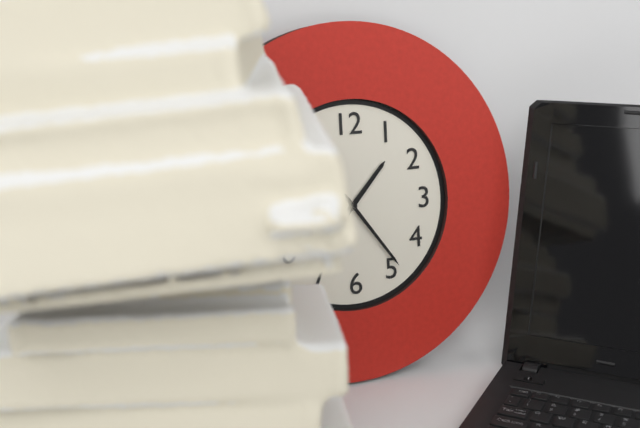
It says 1:24
